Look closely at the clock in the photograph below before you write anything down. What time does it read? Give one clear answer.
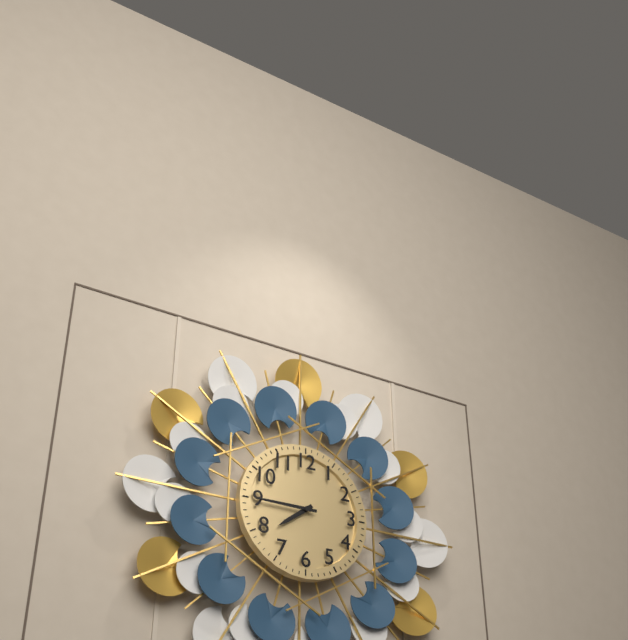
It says 7:45
